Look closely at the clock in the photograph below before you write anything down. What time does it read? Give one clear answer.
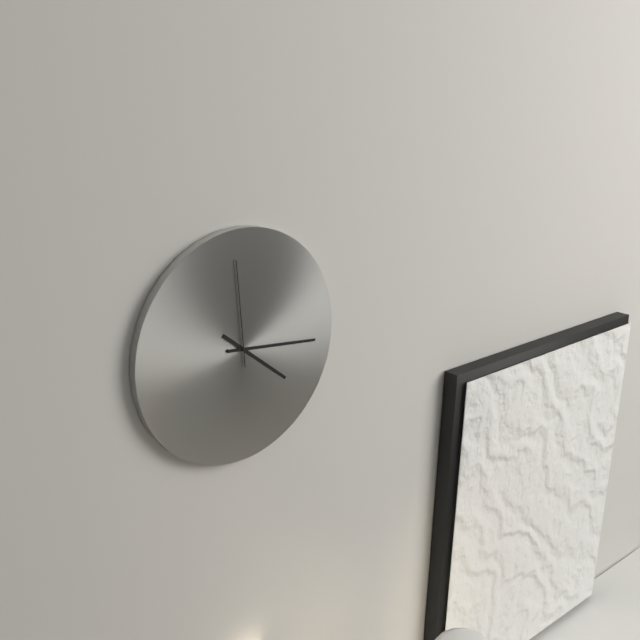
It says 4:16:59
